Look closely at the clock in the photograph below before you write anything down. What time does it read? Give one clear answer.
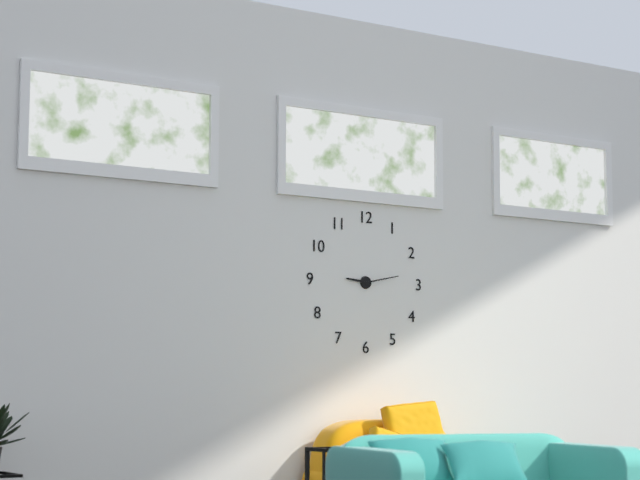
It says 9:13
